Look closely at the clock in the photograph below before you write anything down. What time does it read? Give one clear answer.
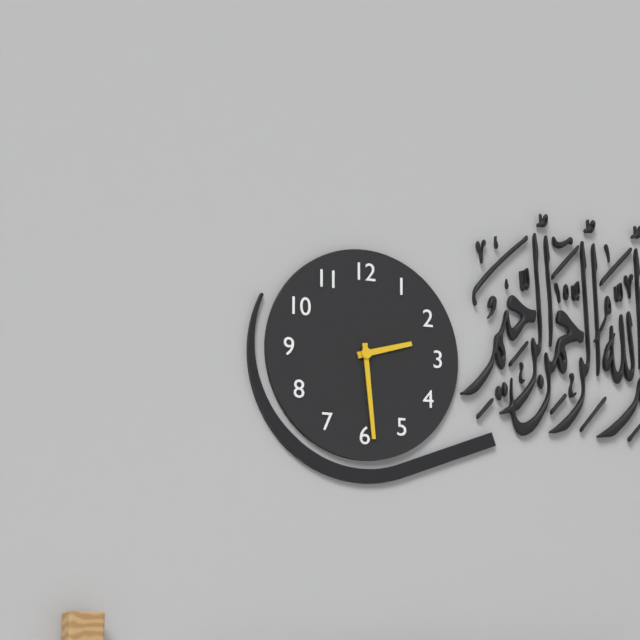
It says 2:29
